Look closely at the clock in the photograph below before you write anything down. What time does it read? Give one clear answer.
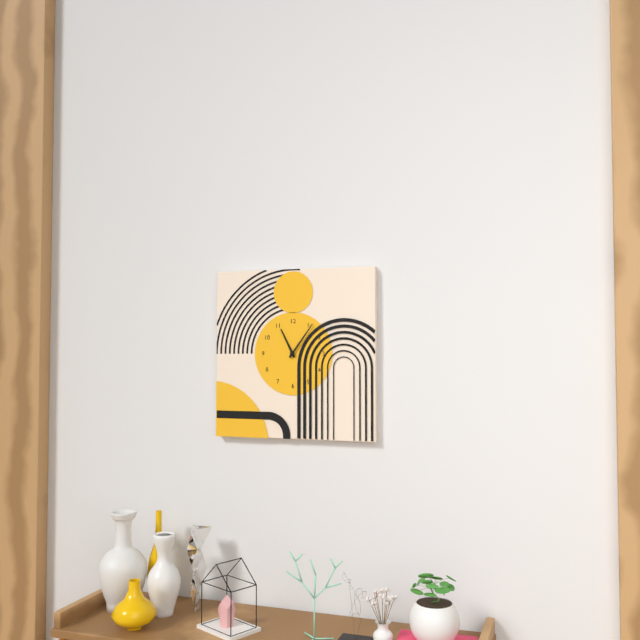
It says 11:06
